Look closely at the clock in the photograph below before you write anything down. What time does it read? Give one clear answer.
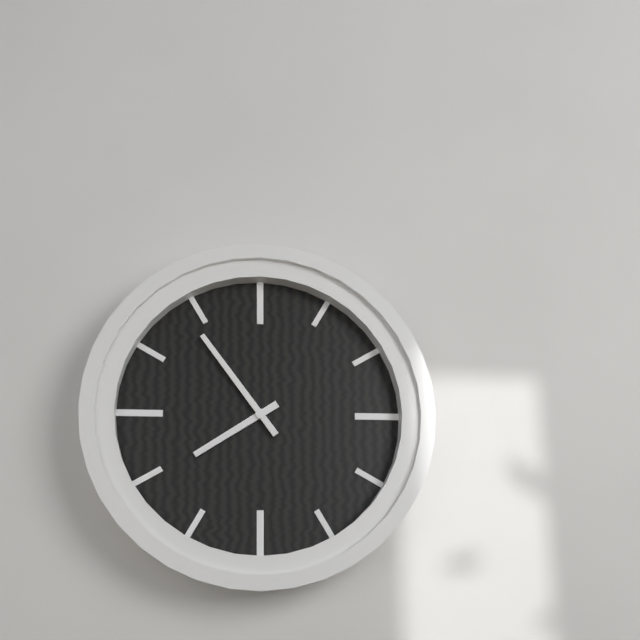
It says 7:54
